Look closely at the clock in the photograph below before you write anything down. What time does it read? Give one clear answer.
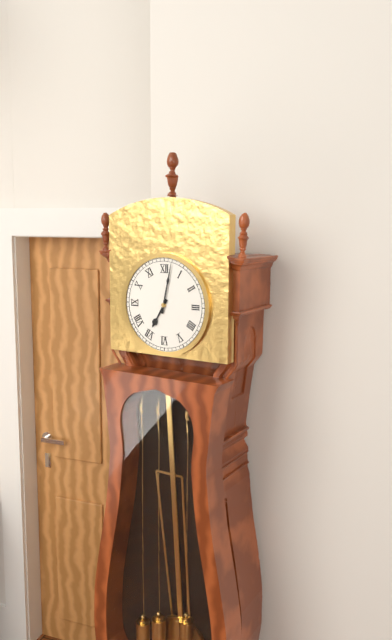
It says 7:02
